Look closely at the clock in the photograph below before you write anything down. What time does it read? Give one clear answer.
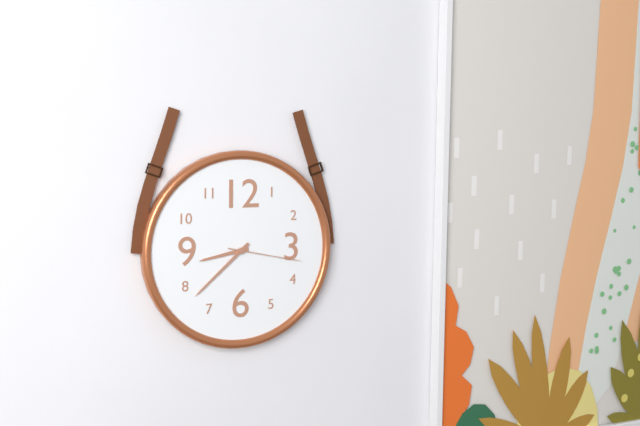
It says 8:38:17
